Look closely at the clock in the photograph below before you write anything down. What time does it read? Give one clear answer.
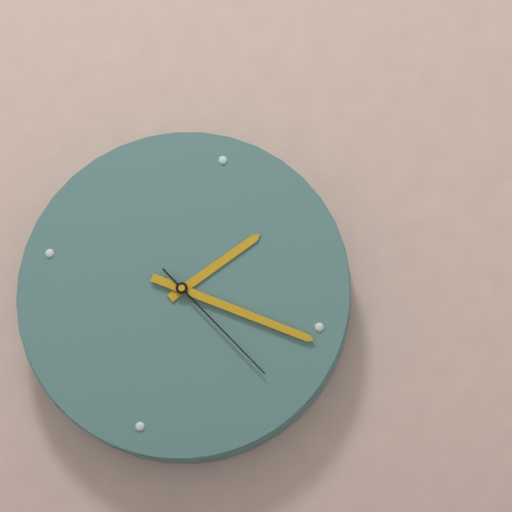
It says 1:16:20
